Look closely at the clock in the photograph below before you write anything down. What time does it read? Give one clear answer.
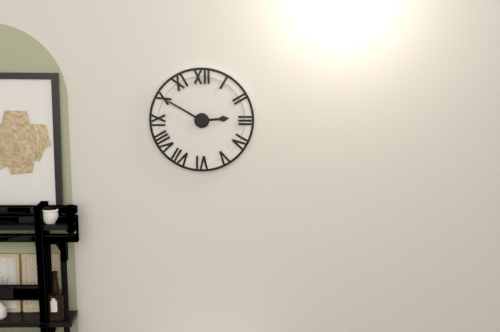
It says 2:50
